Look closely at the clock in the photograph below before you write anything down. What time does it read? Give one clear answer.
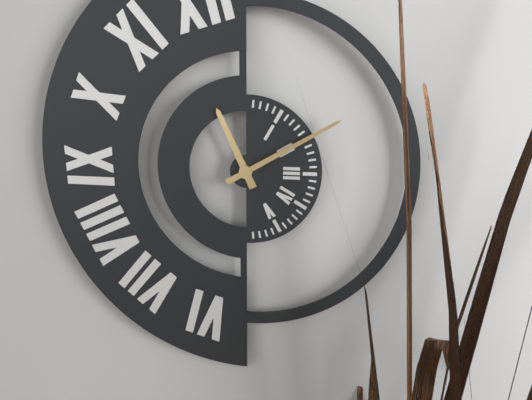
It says 11:10
